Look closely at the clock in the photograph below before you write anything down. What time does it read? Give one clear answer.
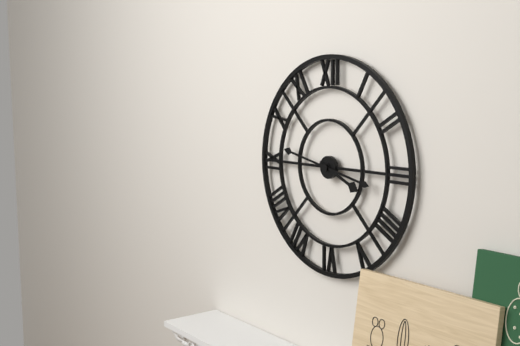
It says 3:47
